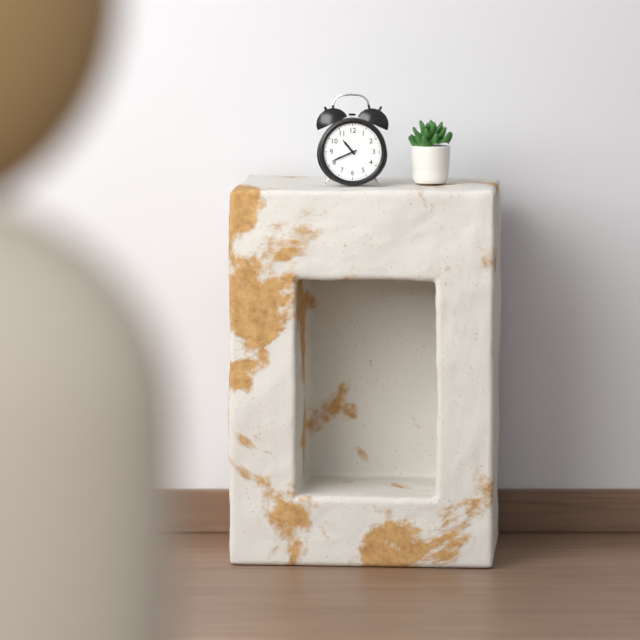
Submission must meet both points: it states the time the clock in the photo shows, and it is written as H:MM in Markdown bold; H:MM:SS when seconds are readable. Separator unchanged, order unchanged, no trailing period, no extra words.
**10:41**
